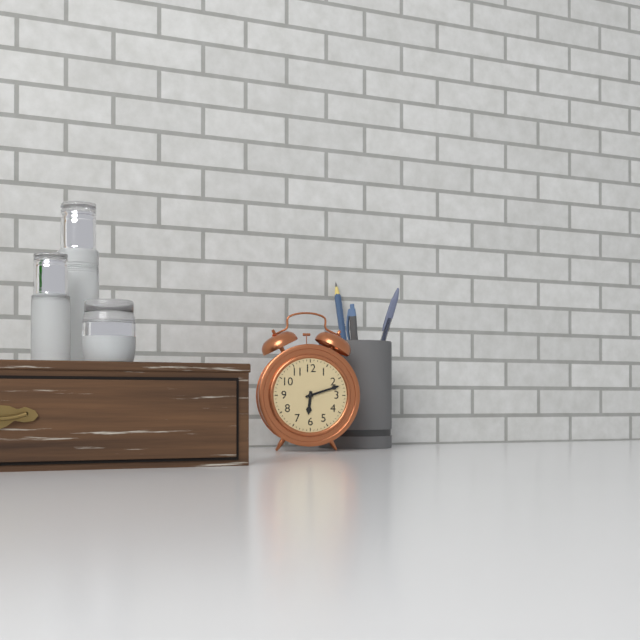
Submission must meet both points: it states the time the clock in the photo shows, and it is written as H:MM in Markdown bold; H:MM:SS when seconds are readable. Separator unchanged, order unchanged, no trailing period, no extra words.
**6:12**
